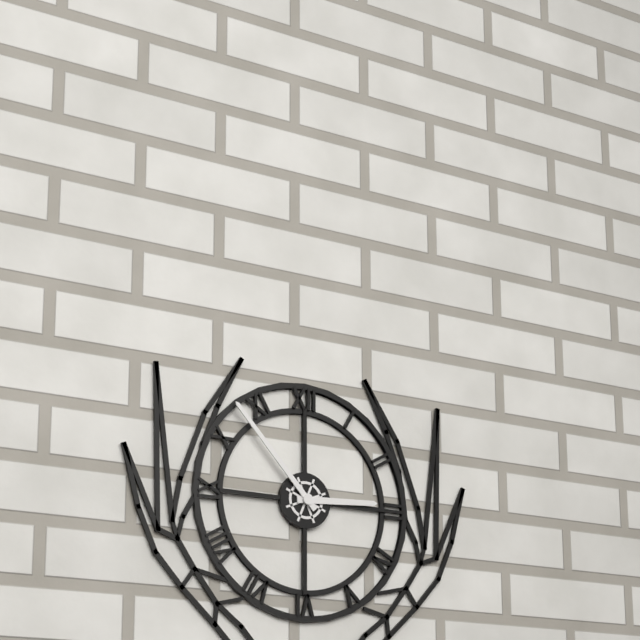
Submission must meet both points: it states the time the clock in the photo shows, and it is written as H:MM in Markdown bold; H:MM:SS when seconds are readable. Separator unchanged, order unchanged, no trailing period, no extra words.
**2:53**
